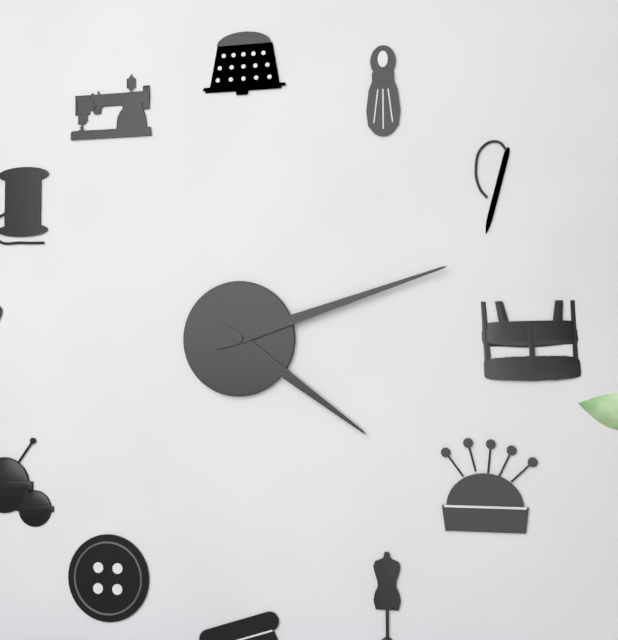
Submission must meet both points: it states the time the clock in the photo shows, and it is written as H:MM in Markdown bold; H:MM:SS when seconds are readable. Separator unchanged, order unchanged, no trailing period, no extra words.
**4:12**
